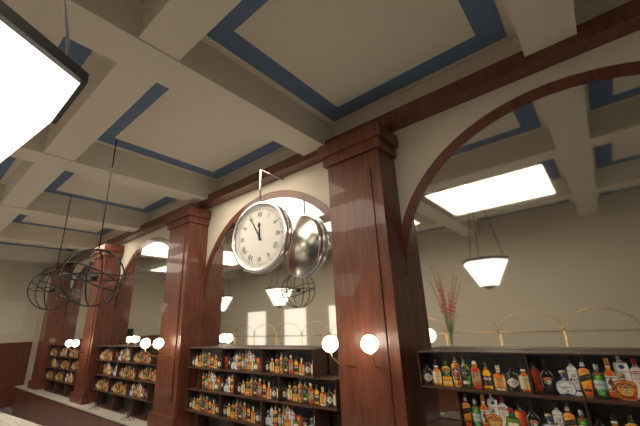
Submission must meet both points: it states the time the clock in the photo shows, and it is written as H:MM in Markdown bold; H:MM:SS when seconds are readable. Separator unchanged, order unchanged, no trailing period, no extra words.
**11:55**
